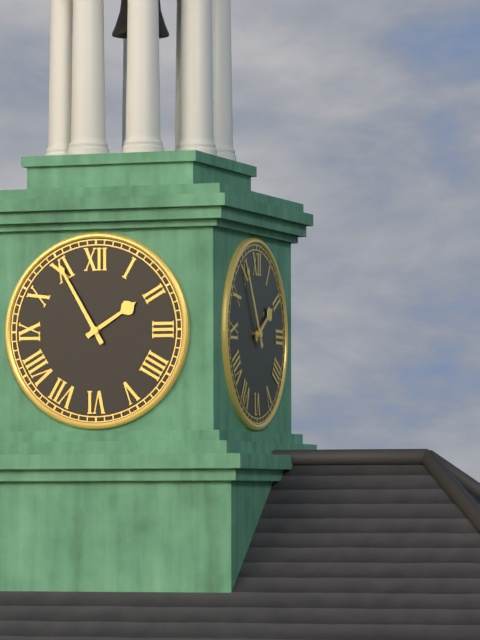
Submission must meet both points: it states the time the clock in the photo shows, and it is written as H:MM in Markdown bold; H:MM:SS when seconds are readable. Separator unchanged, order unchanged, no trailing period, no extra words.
**1:55**
